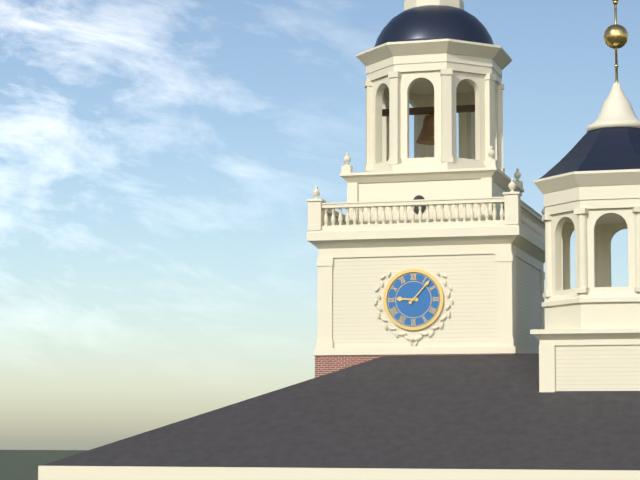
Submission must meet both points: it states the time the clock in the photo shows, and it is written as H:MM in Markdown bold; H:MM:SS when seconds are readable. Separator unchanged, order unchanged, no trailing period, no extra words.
**9:07**
